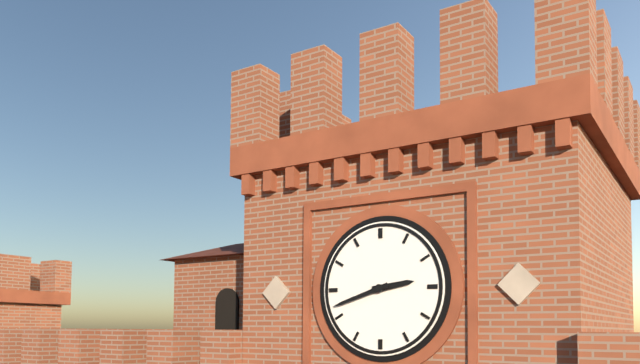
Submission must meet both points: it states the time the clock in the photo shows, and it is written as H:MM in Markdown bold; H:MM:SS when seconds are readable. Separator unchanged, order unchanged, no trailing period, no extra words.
**2:42**
